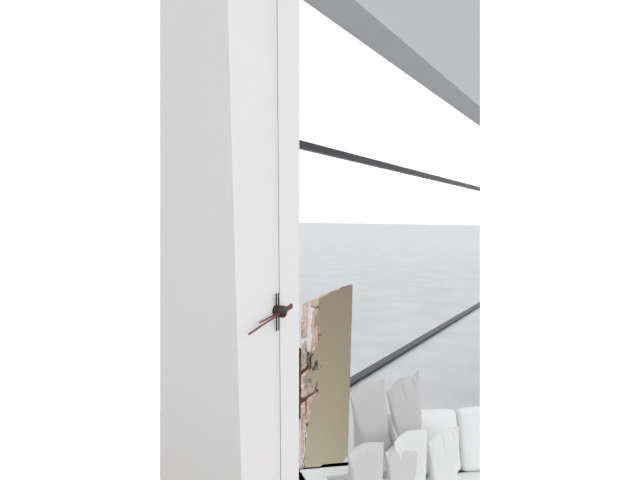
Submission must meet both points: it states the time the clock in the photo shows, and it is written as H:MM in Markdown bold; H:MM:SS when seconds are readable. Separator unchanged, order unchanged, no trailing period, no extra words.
**8:43**
